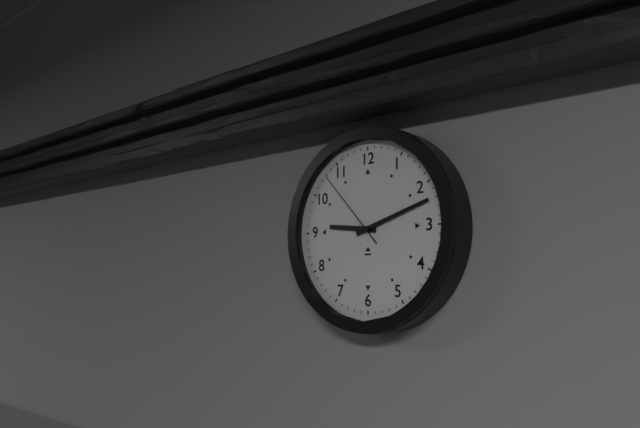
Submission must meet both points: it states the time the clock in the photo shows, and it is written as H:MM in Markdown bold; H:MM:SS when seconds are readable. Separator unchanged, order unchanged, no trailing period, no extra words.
**9:12:53**
